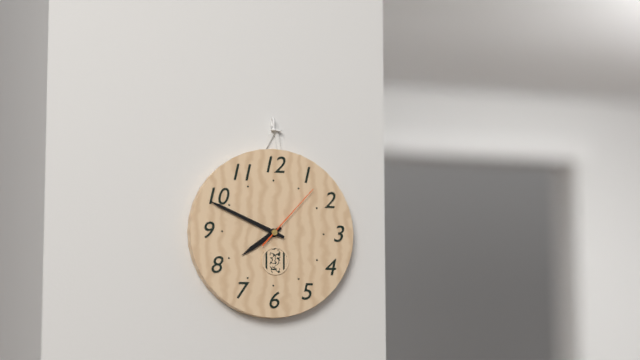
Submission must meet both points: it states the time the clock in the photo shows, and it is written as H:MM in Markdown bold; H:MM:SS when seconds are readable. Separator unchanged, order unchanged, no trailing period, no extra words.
**7:49:07**
